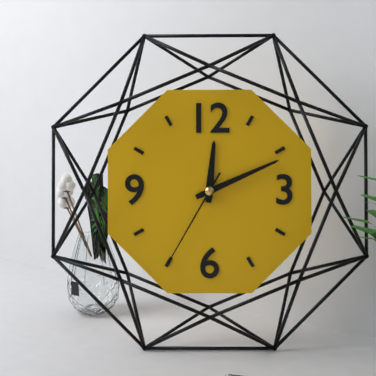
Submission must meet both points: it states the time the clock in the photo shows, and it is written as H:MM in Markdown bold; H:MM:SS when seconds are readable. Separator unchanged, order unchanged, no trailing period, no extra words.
**12:11:35**
